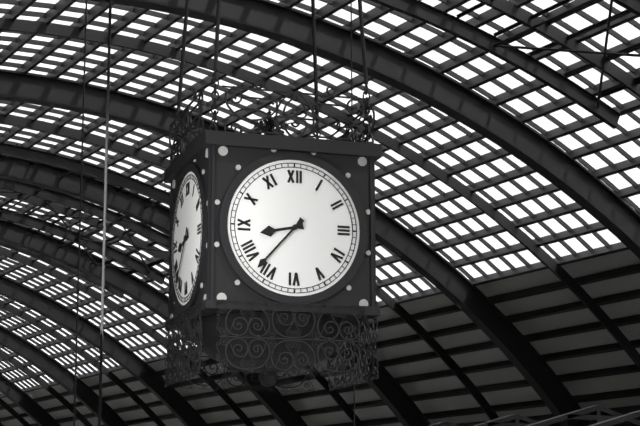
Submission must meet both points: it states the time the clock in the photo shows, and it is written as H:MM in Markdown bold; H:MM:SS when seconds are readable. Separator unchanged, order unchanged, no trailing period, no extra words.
**8:37**
